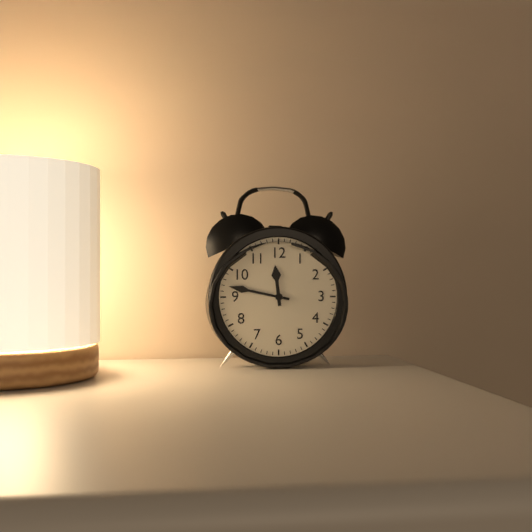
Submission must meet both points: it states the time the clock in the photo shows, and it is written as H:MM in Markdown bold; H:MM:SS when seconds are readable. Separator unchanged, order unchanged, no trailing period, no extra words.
**11:47**
